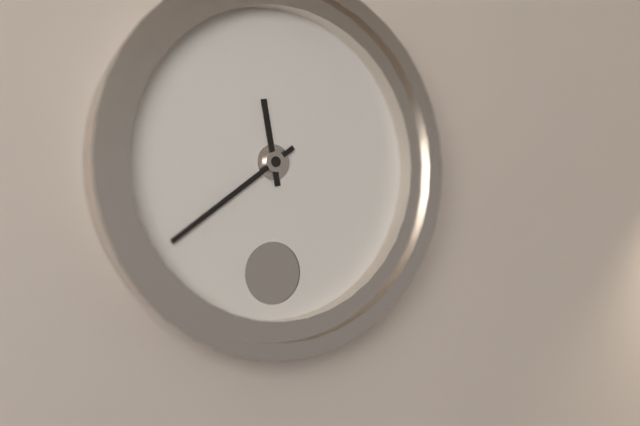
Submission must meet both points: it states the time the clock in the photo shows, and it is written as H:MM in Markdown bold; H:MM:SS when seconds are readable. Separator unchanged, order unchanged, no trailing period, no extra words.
**11:39**
